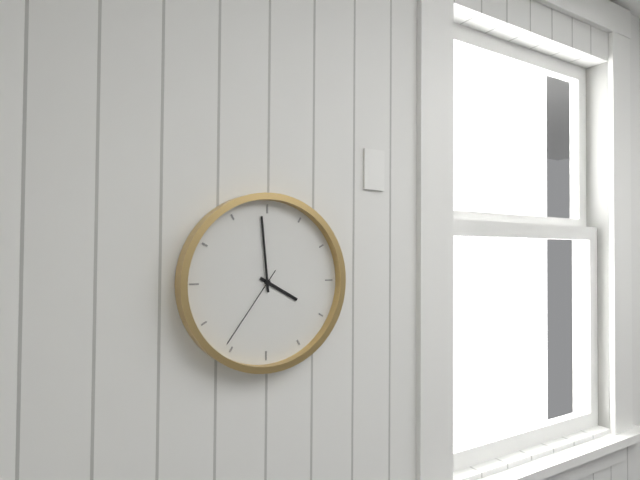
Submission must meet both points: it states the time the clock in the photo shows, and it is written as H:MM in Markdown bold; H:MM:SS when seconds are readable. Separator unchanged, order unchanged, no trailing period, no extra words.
**3:59:36**
